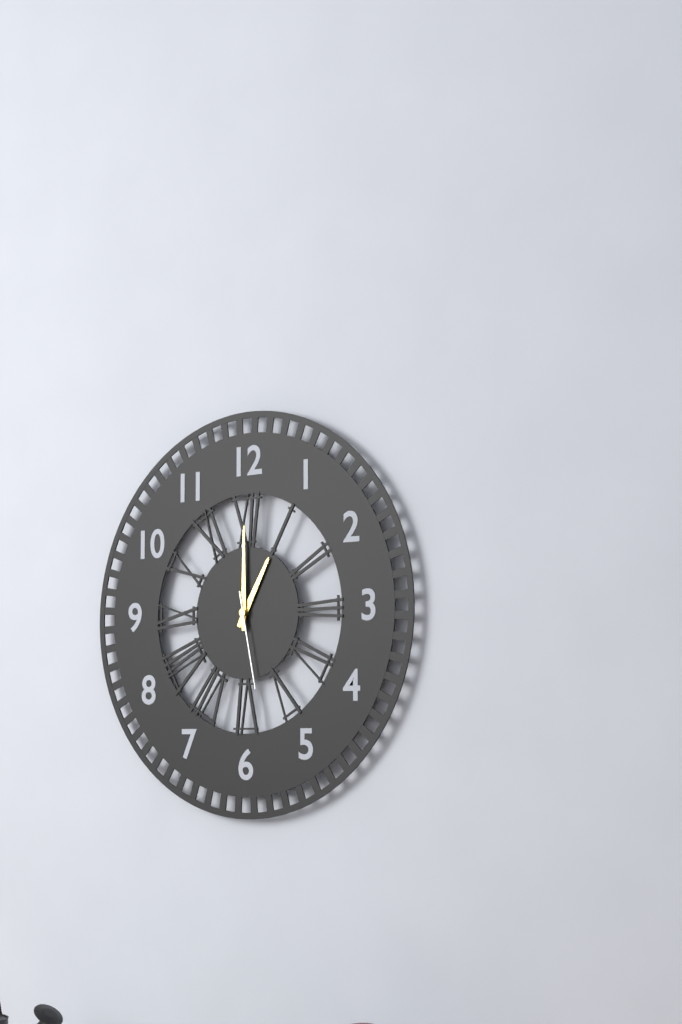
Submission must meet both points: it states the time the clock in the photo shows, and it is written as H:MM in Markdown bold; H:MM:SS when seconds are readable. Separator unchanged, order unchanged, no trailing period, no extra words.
**1:00:28**
